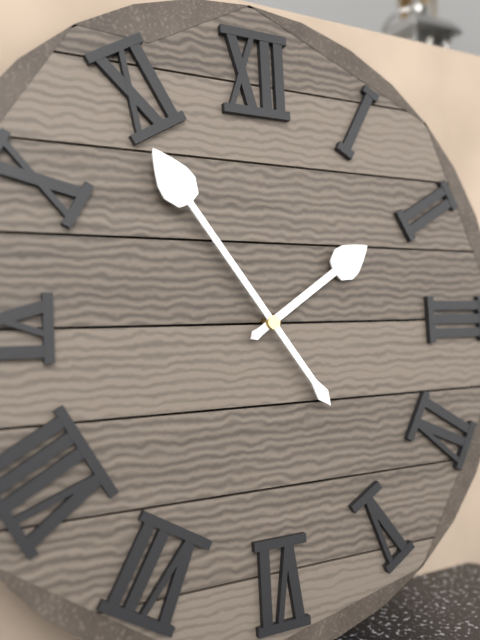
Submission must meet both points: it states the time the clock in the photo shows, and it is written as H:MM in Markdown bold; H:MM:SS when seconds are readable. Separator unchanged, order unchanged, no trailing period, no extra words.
**1:54**
